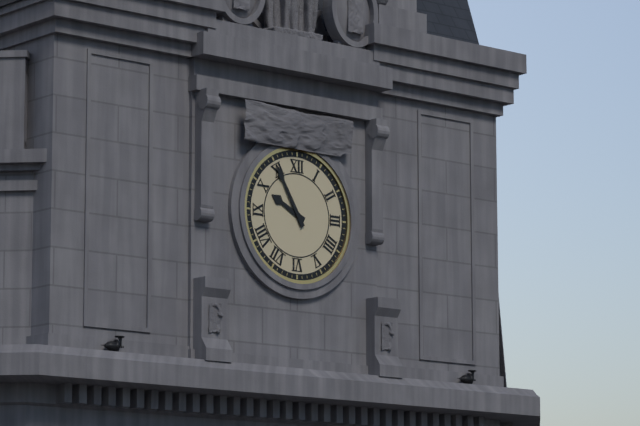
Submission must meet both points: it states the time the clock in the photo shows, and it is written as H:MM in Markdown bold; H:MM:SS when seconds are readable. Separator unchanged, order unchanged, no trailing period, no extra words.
**9:55**
